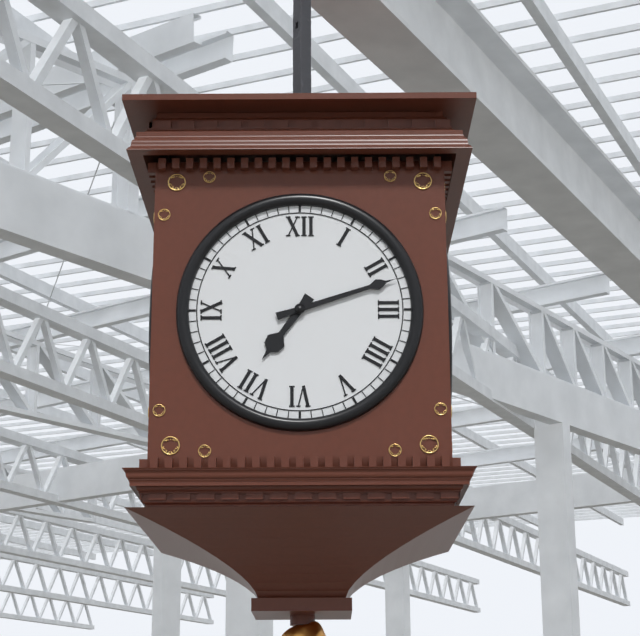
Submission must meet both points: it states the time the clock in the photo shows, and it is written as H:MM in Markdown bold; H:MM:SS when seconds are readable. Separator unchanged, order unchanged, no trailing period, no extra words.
**7:12**
